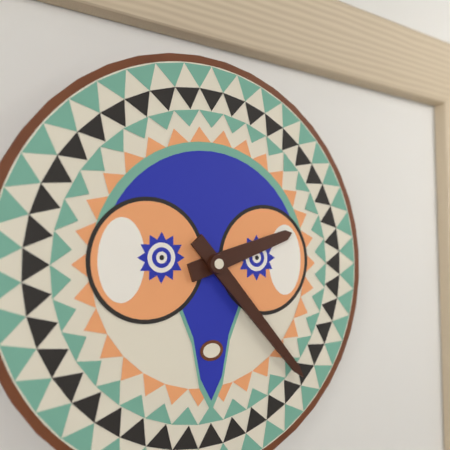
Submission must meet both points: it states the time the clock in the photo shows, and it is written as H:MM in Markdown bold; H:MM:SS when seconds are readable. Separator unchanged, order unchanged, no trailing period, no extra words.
**2:23**
